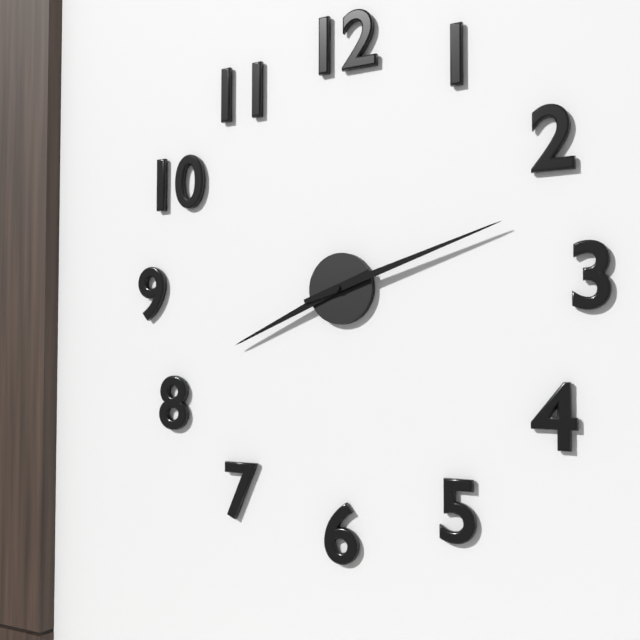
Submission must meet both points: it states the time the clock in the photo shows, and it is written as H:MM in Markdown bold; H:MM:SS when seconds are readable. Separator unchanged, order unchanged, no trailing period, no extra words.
**8:12**
